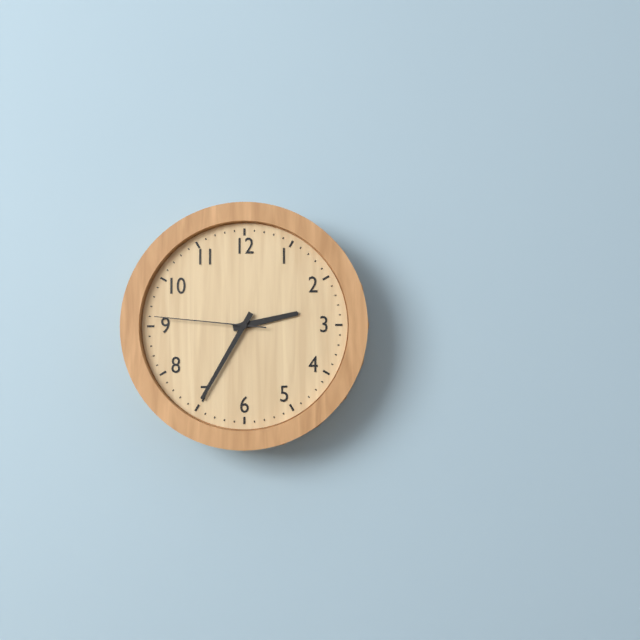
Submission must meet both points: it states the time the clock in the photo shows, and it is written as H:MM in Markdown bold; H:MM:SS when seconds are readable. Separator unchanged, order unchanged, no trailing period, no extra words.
**2:35:46**
